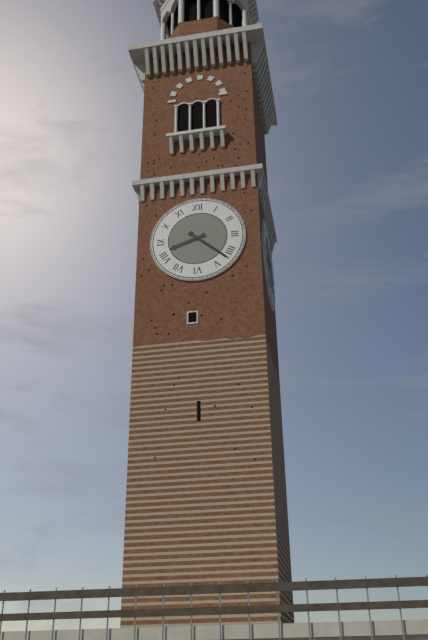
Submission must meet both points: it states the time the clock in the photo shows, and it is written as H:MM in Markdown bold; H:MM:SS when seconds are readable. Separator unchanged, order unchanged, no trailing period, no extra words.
**8:22**
